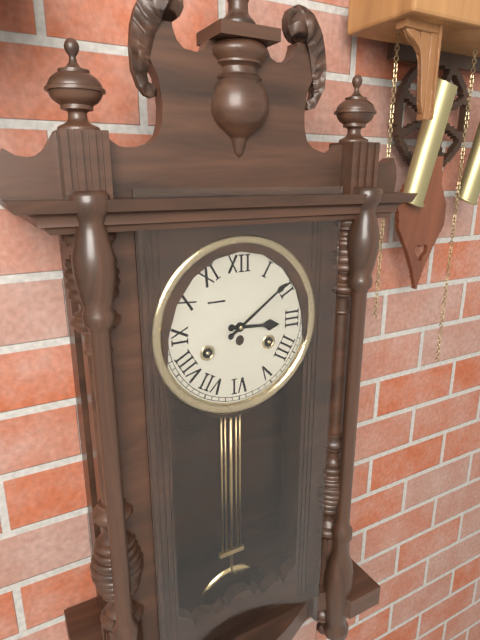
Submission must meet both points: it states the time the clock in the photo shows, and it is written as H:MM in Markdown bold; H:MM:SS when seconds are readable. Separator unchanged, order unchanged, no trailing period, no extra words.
**3:09**
